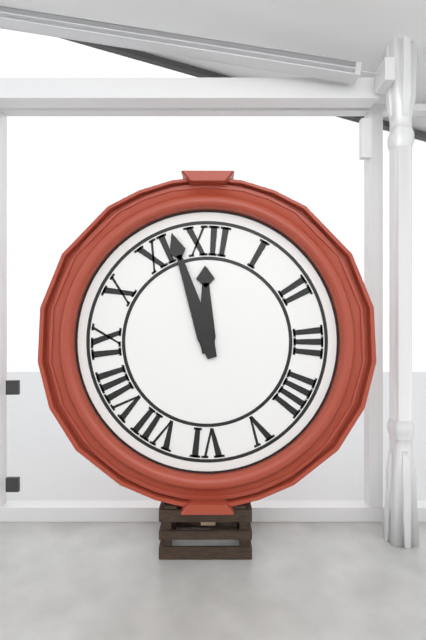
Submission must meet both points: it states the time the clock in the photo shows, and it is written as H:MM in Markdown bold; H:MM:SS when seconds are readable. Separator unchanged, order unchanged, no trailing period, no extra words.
**11:57**
